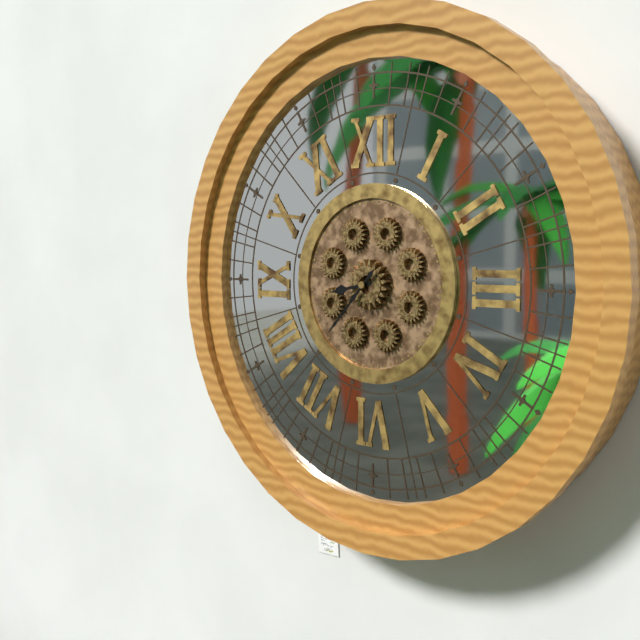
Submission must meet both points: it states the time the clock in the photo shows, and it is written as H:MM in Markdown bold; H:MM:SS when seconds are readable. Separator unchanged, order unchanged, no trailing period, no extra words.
**8:37**
